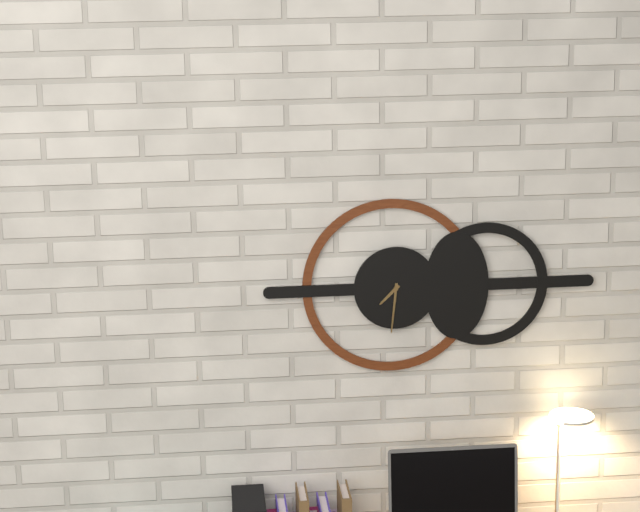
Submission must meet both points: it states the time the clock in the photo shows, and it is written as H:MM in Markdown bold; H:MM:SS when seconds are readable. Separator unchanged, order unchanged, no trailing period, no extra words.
**7:31**
